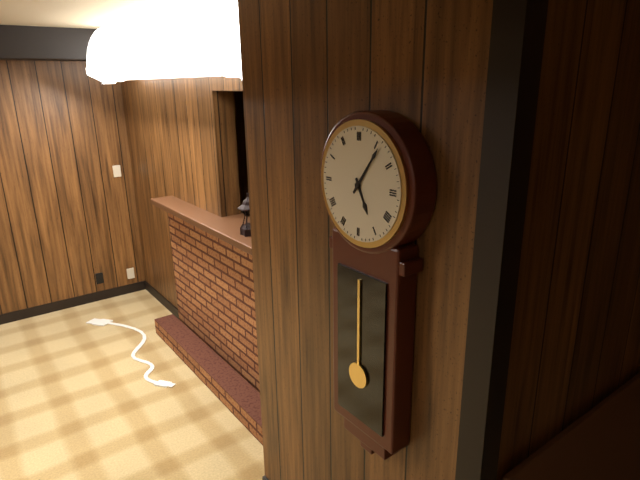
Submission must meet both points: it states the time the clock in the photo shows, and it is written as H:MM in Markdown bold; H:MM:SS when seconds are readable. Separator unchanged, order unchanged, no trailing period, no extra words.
**5:06**
